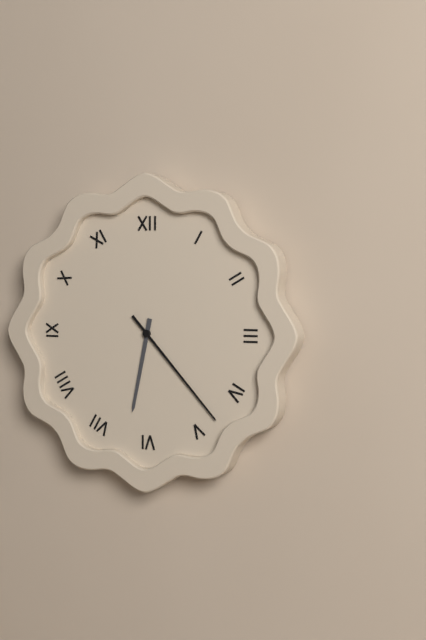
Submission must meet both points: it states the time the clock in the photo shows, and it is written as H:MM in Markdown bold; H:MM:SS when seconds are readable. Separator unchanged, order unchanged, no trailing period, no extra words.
**6:23**
